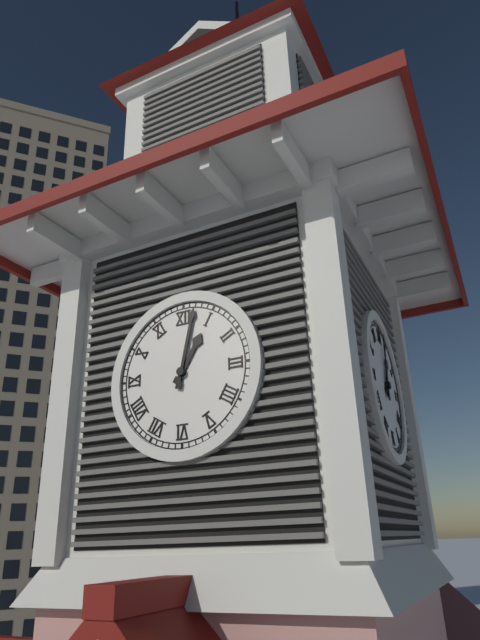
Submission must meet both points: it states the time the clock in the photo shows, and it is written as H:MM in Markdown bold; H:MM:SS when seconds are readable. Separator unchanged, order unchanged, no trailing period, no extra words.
**1:02**
